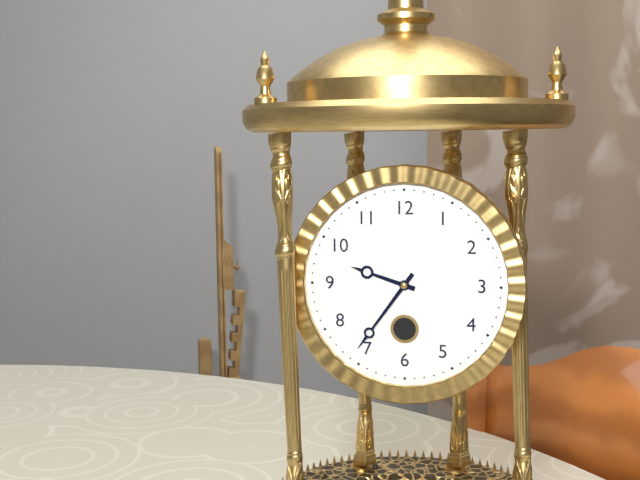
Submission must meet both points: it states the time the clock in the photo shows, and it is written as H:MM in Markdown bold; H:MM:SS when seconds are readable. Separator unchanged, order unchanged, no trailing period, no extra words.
**9:36**
